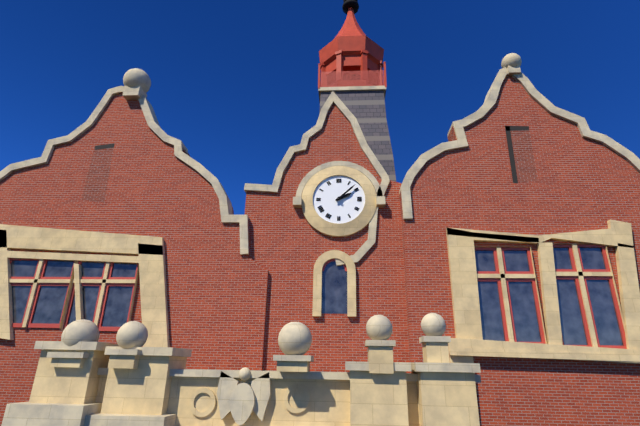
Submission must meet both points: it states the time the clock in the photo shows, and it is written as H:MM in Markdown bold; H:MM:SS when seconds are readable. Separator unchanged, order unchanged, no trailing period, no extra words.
**2:08**
